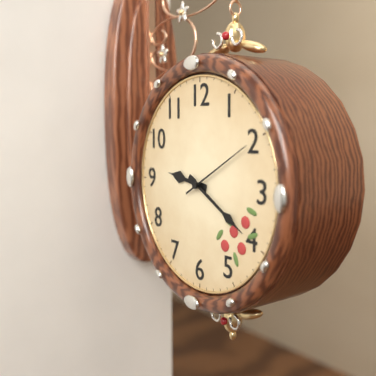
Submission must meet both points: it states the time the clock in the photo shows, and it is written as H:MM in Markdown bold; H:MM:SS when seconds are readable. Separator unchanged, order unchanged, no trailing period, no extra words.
**9:20:10**
